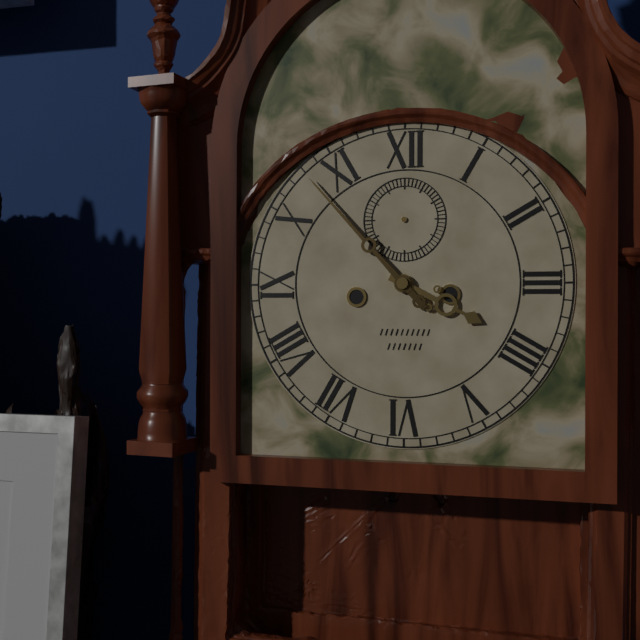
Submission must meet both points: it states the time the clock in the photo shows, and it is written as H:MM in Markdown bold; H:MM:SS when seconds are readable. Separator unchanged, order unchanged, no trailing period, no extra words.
**3:53**
